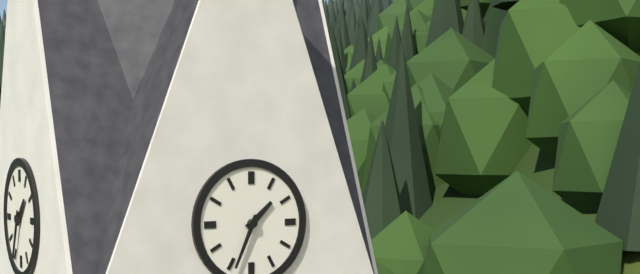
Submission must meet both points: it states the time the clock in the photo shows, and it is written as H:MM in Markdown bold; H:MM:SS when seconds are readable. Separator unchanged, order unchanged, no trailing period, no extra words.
**1:34**
